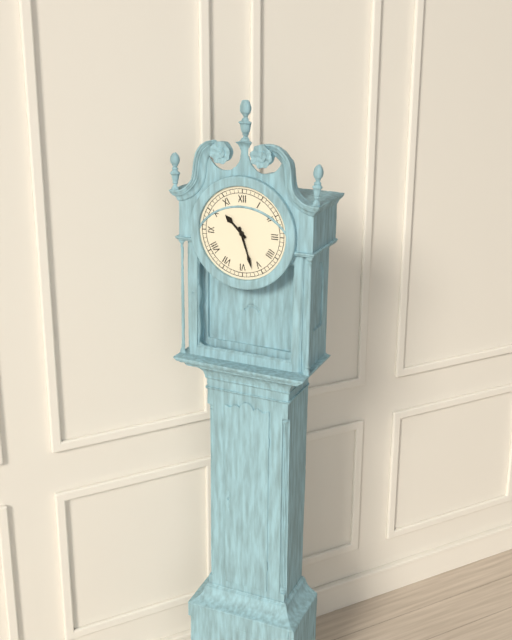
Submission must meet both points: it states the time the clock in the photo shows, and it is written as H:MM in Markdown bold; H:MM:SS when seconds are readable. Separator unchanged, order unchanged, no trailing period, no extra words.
**10:27**
